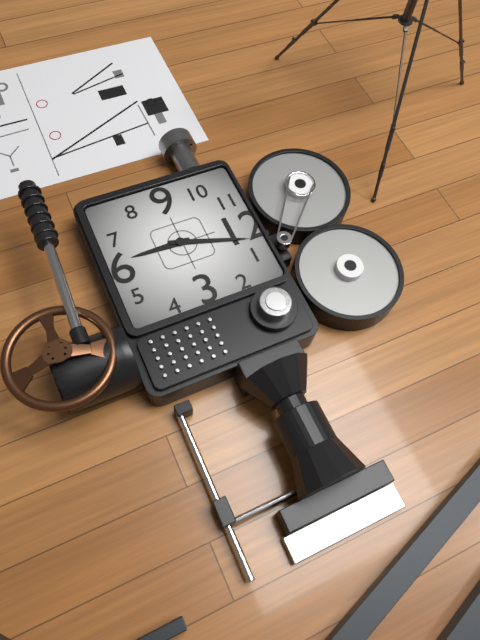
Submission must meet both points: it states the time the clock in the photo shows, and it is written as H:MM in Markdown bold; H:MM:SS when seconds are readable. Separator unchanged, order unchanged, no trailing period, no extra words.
**6:03**
